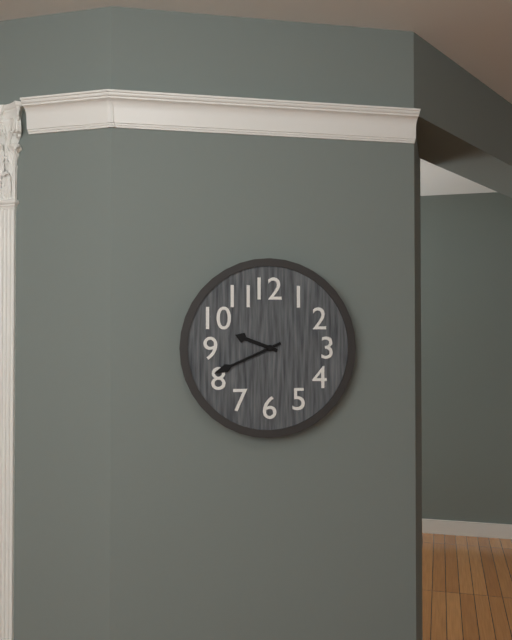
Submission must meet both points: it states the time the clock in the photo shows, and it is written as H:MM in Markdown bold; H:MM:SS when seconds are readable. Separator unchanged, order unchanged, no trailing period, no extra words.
**9:41**
